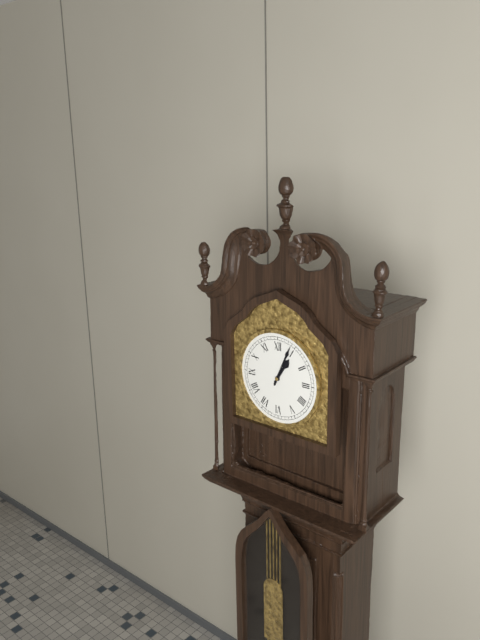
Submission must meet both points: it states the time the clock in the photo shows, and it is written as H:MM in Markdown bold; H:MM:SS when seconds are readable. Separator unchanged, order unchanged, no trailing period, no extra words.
**1:04**
